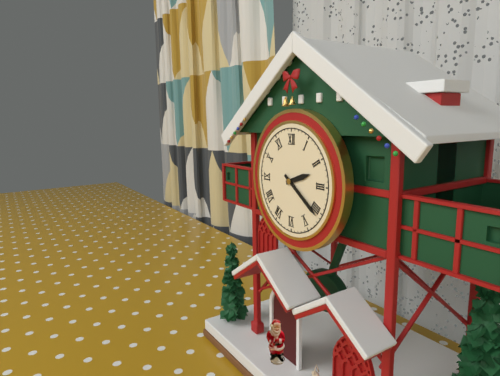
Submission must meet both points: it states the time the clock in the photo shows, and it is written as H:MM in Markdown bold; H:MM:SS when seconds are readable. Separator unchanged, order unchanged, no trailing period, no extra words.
**2:21**
